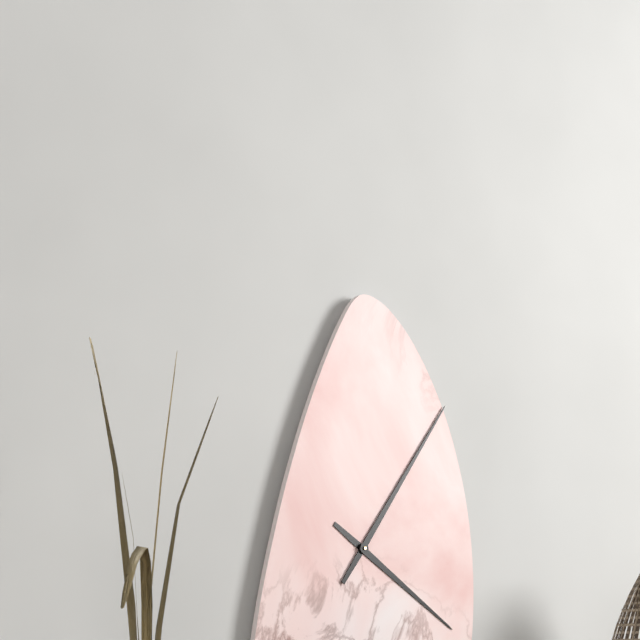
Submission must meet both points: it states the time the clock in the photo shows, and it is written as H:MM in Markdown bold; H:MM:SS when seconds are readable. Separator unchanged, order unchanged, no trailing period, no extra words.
**4:06**
